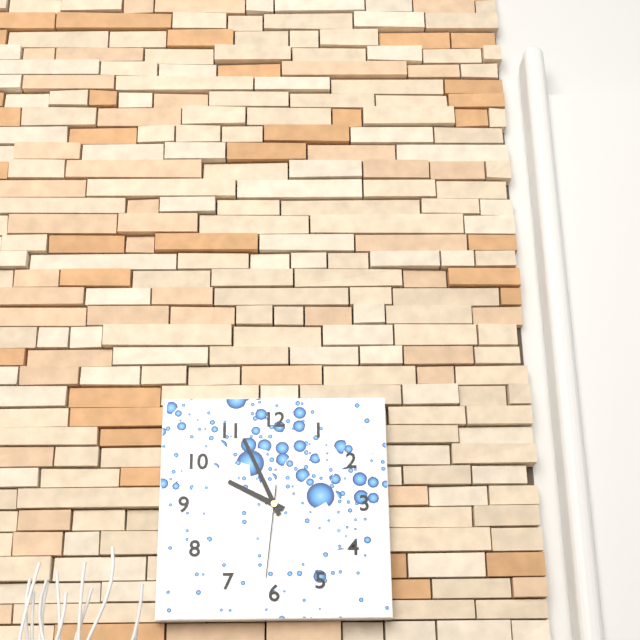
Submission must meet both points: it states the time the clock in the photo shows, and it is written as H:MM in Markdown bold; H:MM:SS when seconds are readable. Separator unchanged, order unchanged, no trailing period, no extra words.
**9:56:31**
